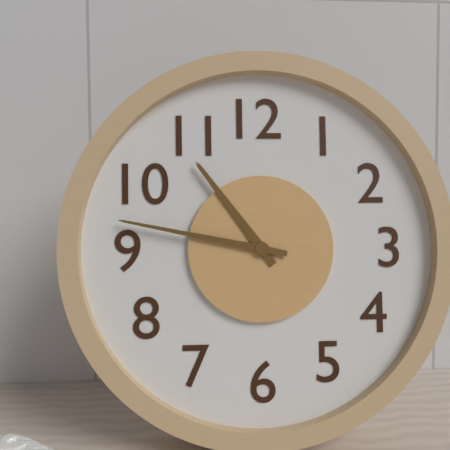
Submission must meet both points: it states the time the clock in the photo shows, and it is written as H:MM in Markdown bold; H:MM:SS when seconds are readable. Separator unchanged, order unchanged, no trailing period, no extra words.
**10:47**
